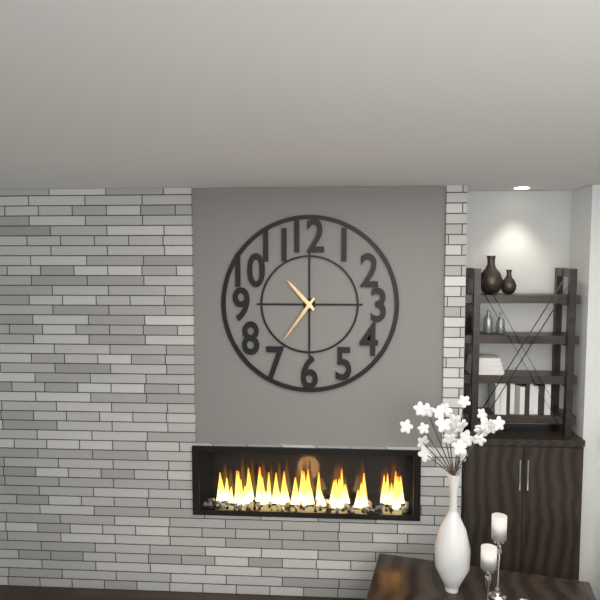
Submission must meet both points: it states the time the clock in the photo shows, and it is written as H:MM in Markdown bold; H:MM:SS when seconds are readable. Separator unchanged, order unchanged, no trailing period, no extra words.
**10:36**
